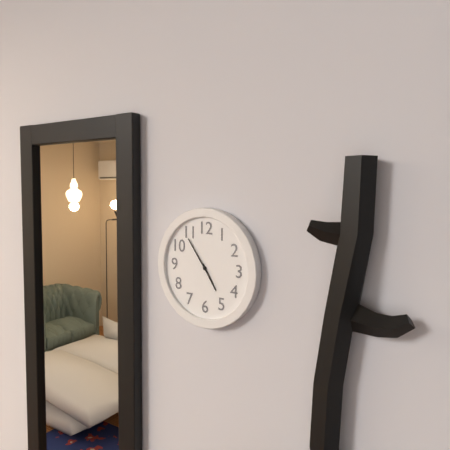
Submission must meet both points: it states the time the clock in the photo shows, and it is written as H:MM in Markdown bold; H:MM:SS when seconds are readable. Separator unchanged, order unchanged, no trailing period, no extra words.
**4:54**
